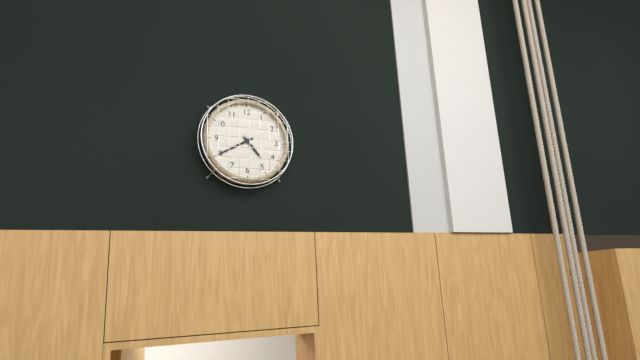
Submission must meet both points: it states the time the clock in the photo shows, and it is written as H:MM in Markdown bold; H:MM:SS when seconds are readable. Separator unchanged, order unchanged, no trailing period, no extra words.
**4:40**
